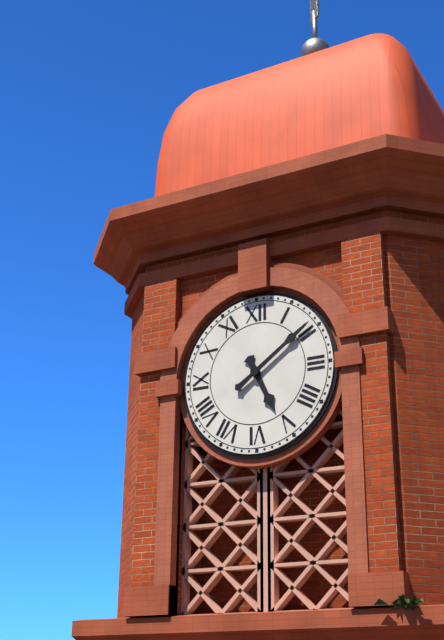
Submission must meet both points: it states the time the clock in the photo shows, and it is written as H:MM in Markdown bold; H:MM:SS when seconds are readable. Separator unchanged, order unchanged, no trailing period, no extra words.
**5:09**
